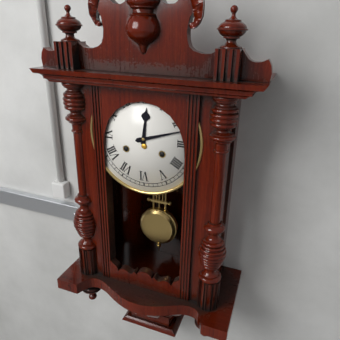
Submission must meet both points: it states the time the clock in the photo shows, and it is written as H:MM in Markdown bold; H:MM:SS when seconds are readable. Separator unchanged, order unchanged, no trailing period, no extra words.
**12:12**
